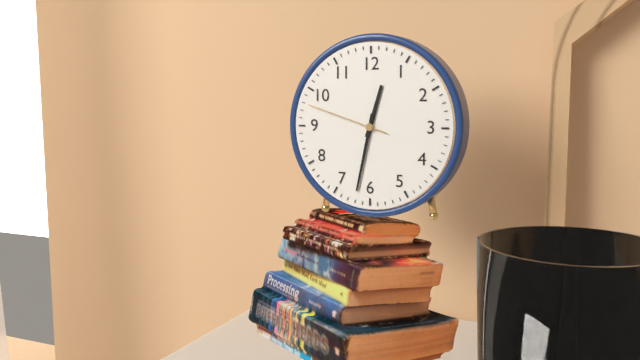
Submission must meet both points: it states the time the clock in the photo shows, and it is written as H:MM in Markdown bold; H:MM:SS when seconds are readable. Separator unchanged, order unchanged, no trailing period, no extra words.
**12:32:48**
